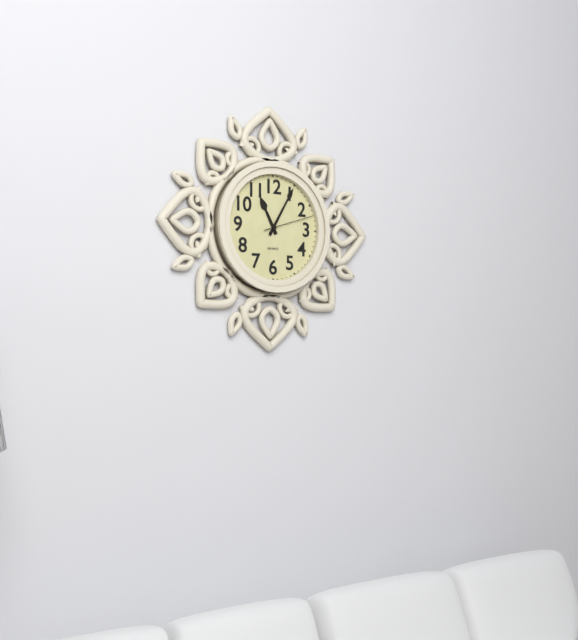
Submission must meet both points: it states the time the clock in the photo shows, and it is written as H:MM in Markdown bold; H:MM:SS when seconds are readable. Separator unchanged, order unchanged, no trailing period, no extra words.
**11:05:12**
